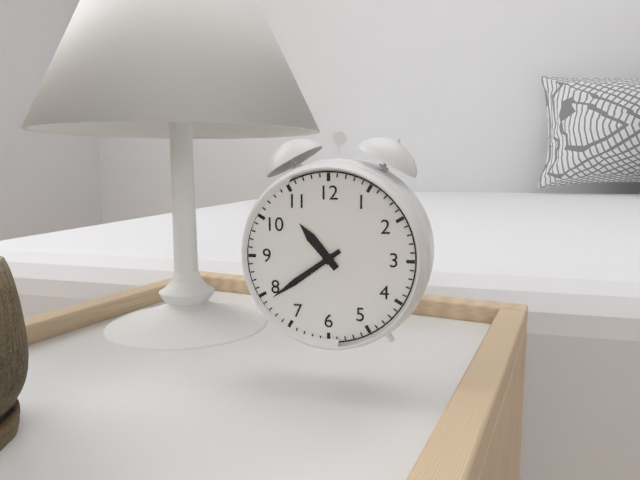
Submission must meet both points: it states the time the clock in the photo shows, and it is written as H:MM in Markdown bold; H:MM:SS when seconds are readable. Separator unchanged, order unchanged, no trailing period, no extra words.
**10:39**
